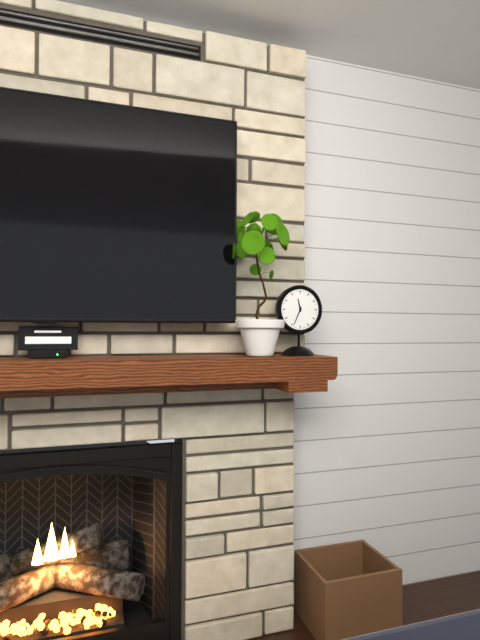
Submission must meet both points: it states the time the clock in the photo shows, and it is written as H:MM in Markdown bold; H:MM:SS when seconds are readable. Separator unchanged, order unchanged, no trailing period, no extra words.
**11:34**
